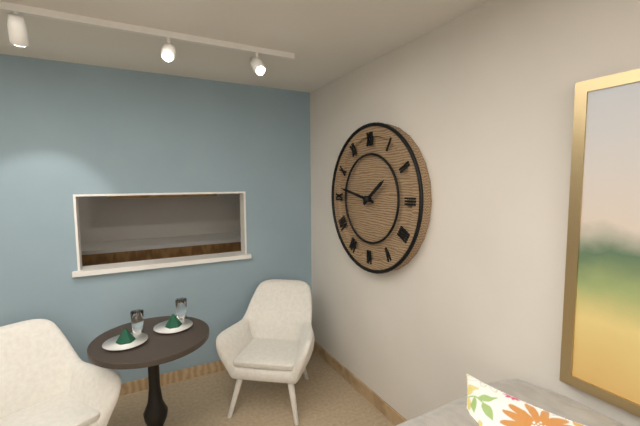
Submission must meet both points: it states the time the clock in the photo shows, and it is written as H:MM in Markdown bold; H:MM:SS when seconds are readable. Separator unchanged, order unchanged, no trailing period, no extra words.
**1:47**
